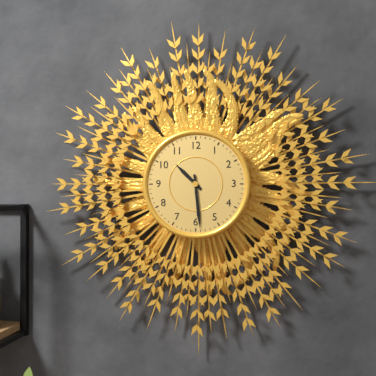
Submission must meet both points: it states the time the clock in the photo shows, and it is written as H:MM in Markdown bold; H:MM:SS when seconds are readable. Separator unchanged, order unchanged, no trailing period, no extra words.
**10:29**
